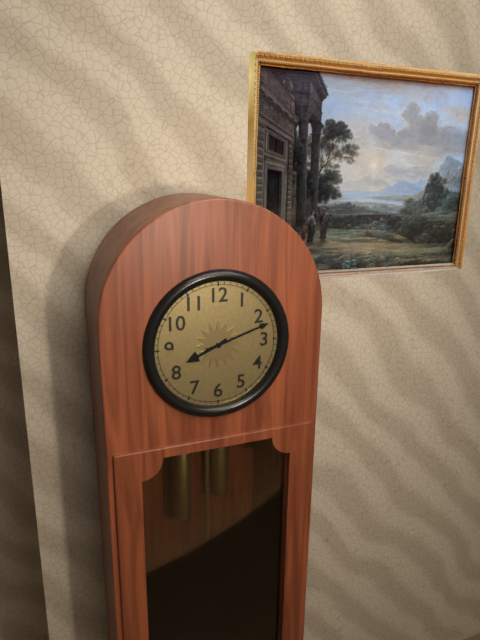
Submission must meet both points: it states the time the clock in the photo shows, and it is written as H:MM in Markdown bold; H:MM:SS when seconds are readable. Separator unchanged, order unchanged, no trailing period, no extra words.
**8:12**
